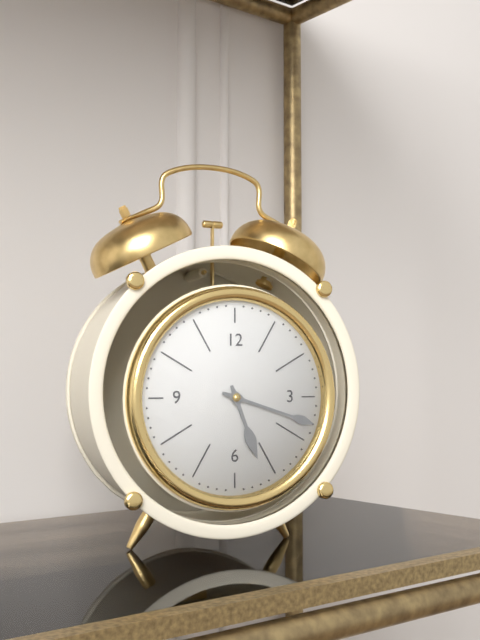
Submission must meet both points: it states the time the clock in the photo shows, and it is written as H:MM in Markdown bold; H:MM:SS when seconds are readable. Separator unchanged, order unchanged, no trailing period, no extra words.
**5:18**
